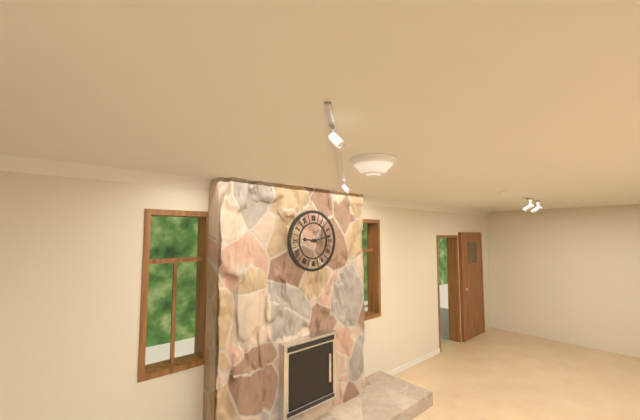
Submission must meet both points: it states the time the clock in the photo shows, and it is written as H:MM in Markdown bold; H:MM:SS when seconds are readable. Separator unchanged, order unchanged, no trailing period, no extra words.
**9:13**
